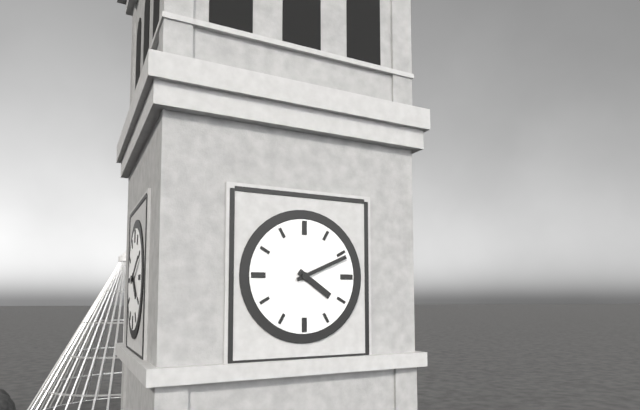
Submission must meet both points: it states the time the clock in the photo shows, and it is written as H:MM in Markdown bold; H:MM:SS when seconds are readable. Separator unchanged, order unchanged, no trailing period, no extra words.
**4:11**
